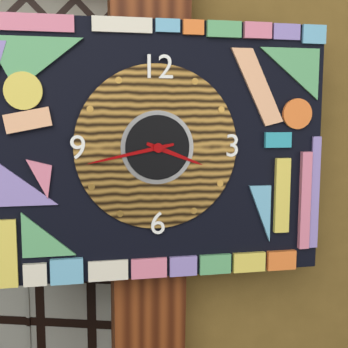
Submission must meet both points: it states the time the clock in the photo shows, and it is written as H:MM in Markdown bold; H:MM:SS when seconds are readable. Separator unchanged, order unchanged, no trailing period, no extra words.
**3:43**
